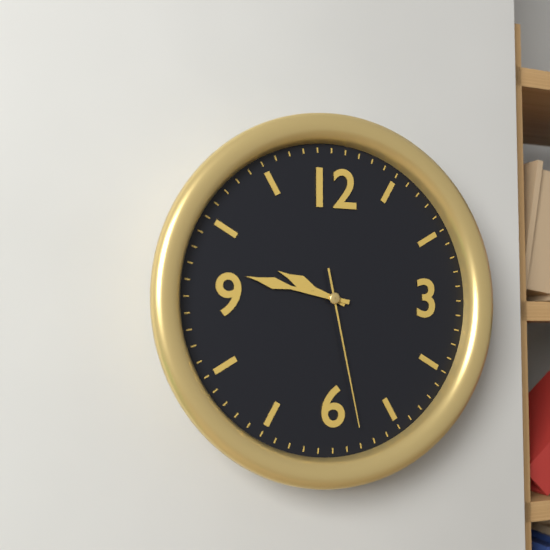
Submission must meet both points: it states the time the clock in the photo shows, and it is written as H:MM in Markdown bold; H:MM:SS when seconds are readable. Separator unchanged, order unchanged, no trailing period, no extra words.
**9:47:28**
